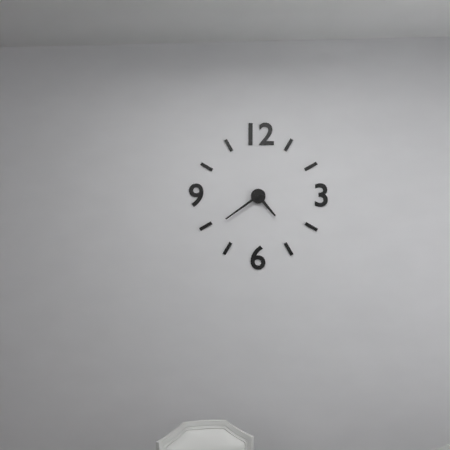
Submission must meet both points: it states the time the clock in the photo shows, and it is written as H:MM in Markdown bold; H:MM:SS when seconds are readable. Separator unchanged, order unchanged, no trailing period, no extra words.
**4:39**
